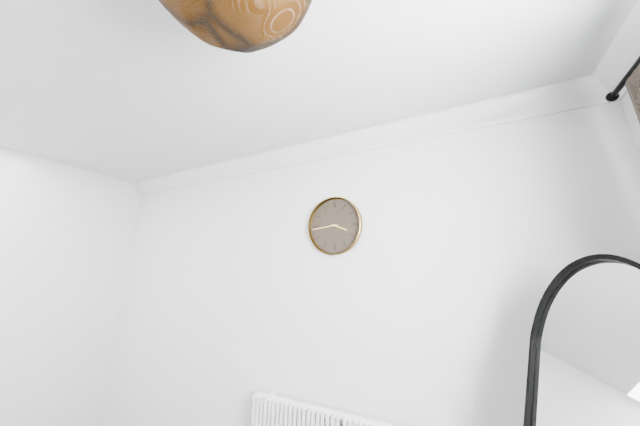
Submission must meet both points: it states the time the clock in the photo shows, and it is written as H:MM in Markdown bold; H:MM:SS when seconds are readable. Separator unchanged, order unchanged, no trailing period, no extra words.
**3:44**
